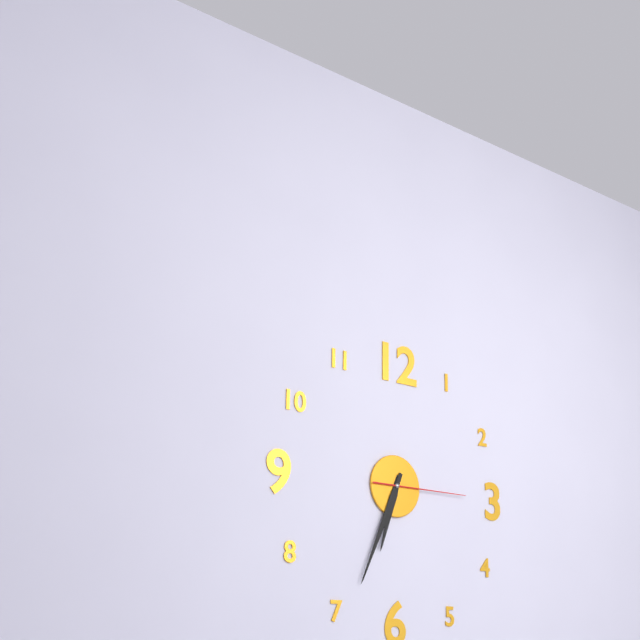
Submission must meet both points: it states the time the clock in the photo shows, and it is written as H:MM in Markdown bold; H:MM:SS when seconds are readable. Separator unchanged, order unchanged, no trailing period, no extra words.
**6:34:15**
